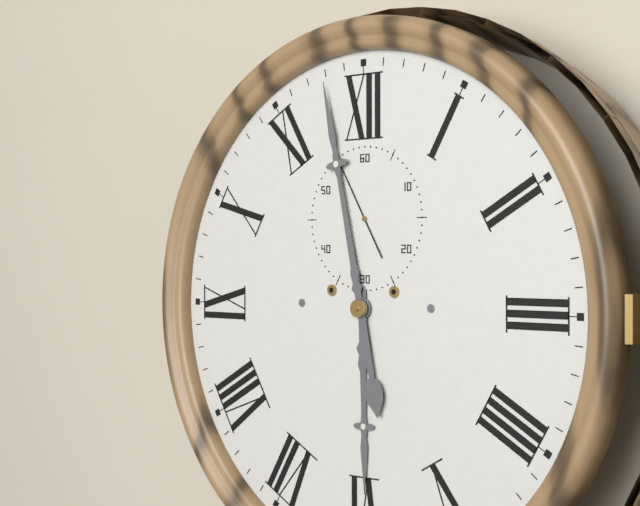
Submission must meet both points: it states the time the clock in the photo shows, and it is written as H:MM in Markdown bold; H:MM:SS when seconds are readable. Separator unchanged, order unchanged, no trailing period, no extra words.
**5:58:55**
